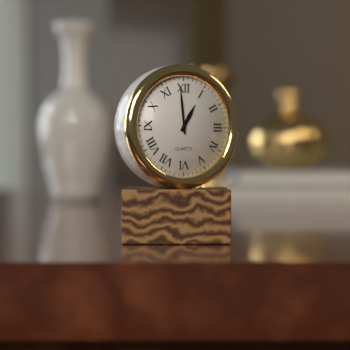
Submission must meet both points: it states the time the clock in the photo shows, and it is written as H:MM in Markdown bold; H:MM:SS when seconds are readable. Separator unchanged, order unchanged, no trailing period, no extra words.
**12:59**
